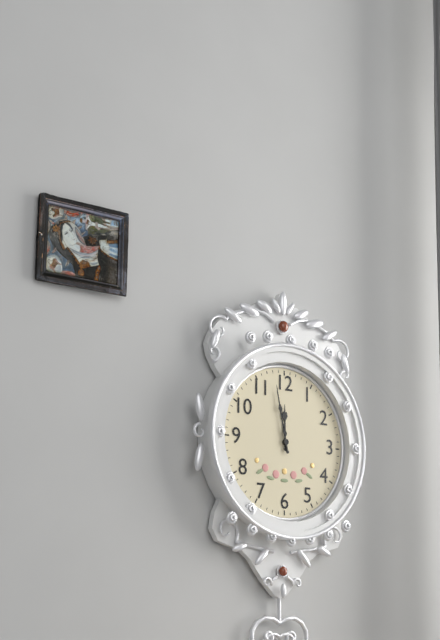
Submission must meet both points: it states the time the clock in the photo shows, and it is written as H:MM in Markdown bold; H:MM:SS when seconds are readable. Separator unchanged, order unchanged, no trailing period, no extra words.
**11:58**
